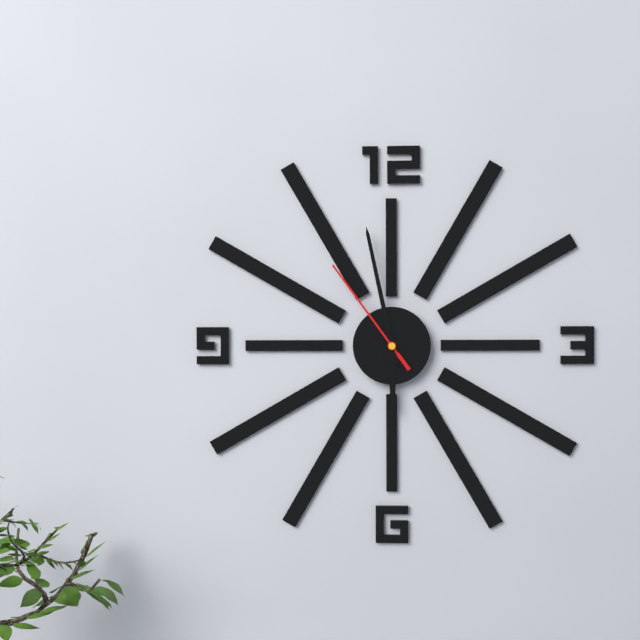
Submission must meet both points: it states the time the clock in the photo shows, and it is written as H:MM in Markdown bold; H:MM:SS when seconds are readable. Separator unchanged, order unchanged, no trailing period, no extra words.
**5:58:54**
